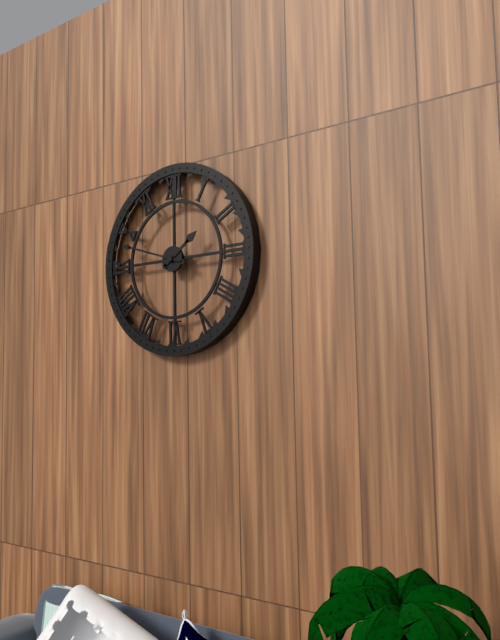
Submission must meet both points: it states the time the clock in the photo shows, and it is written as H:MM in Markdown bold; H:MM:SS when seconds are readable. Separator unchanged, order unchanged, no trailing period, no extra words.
**1:48**
